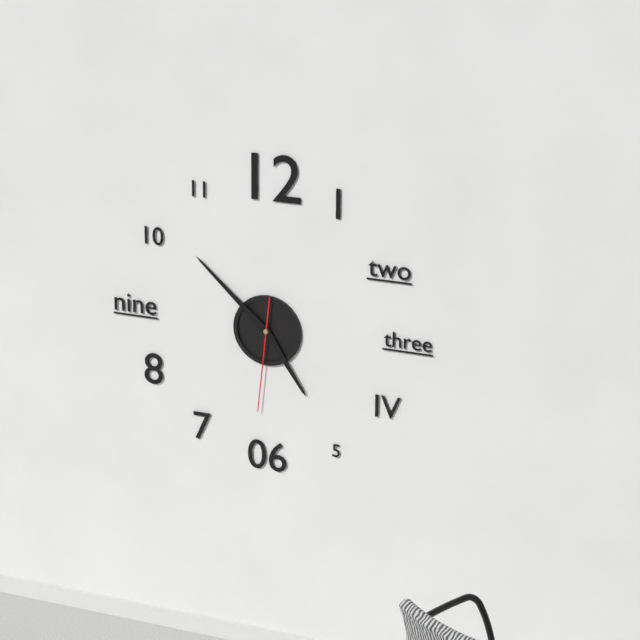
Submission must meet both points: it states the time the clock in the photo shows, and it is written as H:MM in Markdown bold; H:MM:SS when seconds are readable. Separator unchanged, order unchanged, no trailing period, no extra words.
**4:52:31**
